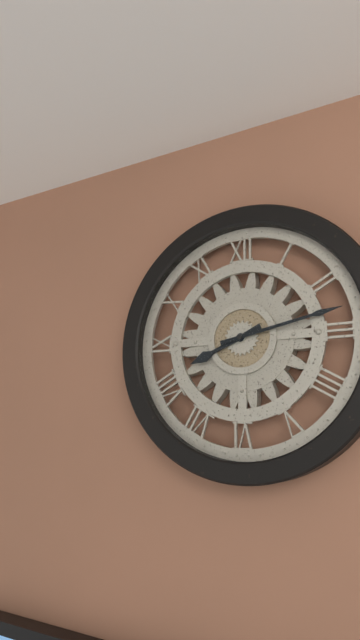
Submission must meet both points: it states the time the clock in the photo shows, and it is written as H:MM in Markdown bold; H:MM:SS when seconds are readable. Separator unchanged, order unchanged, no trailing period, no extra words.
**8:13**
